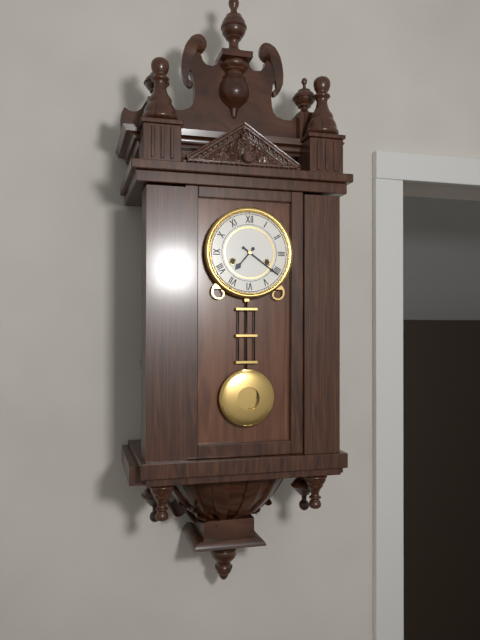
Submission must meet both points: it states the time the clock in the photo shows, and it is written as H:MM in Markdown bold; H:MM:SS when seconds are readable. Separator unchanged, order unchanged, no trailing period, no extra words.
**7:21**
